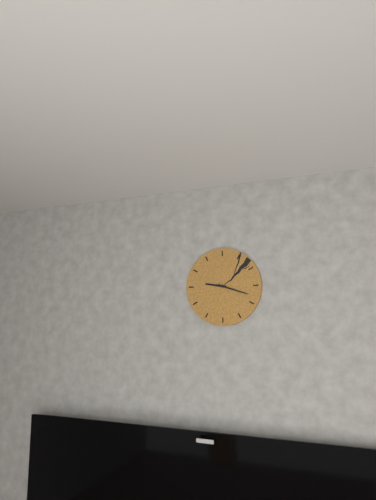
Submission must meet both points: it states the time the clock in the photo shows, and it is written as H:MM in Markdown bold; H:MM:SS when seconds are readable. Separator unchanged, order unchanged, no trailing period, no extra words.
**9:18**
